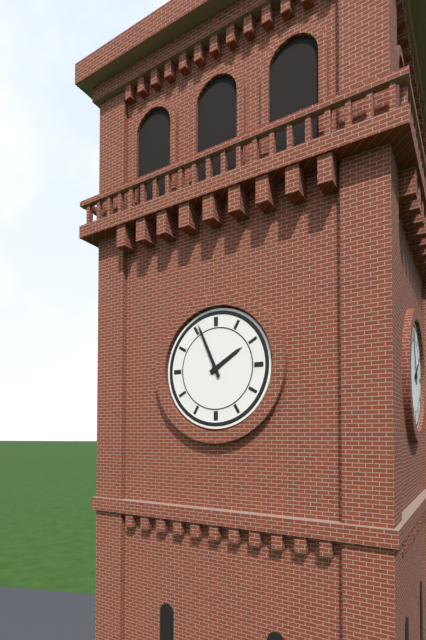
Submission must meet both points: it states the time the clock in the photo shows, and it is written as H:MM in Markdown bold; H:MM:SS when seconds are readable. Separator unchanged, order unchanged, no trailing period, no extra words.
**1:56**
